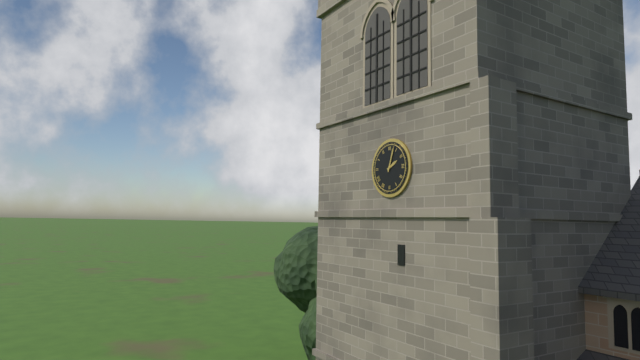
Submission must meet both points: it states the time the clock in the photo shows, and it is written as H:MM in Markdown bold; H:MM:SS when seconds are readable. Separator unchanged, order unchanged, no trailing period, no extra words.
**2:03**
